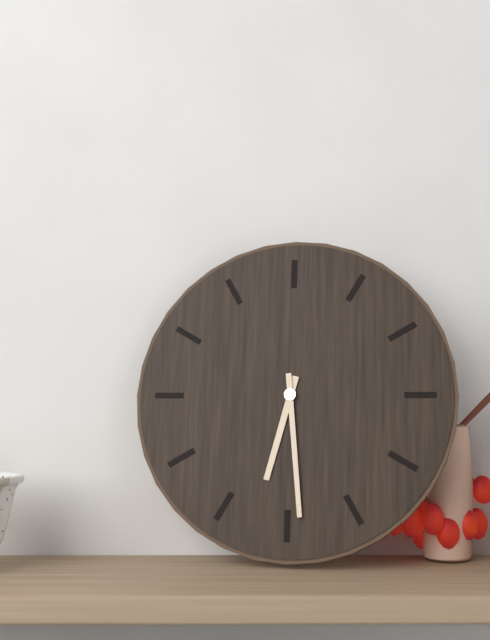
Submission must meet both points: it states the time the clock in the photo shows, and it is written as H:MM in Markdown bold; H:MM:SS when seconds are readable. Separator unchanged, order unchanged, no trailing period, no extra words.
**6:29**
